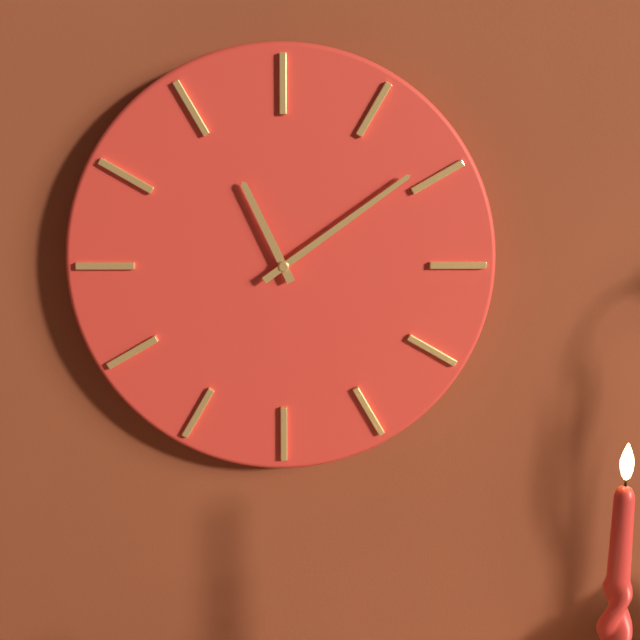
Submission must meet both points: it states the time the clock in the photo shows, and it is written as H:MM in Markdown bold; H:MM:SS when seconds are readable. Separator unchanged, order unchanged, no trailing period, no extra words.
**11:09**
